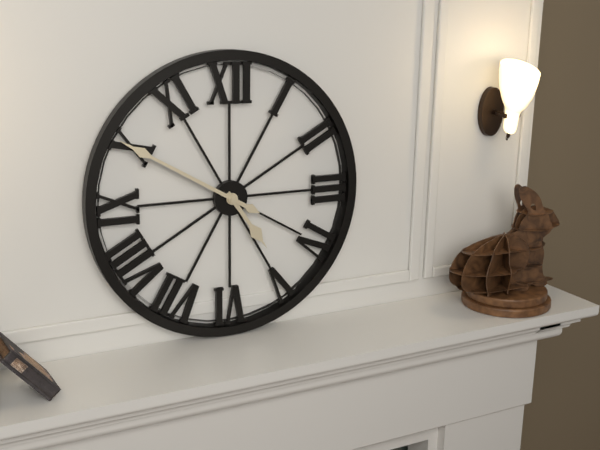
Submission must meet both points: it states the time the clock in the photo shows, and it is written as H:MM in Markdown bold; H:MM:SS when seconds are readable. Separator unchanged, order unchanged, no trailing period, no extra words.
**4:50**
